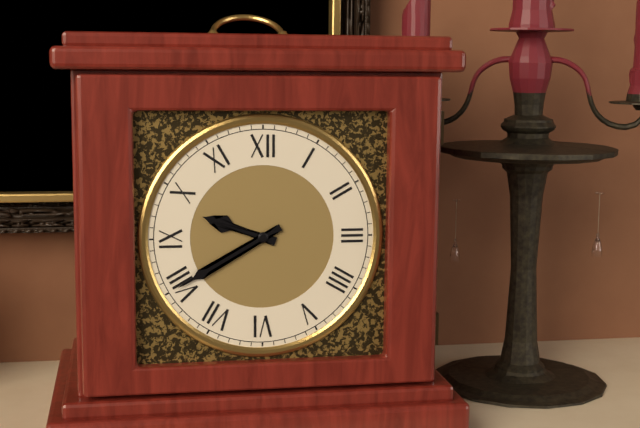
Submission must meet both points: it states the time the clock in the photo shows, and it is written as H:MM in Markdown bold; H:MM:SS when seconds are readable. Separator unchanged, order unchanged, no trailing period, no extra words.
**9:40**
